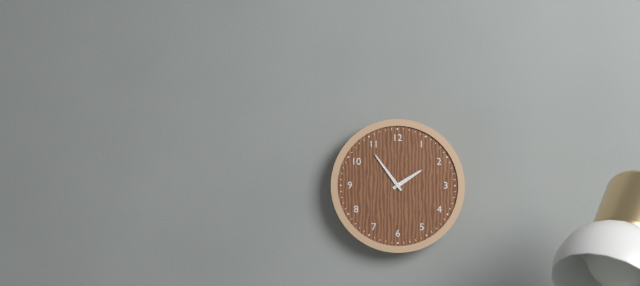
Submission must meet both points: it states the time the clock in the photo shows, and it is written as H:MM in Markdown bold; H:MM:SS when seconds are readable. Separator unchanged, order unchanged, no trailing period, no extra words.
**1:54**
